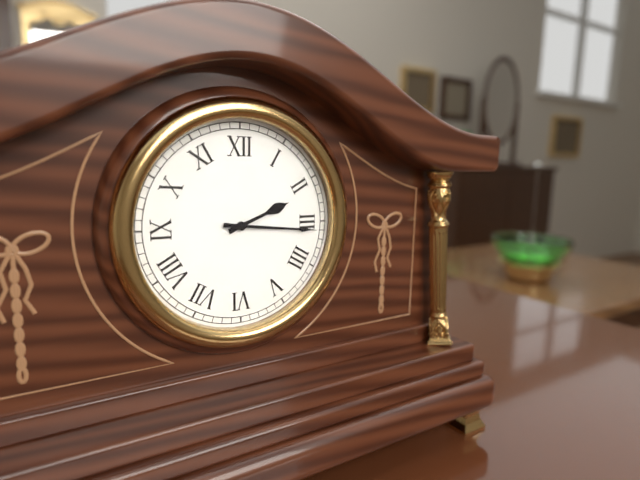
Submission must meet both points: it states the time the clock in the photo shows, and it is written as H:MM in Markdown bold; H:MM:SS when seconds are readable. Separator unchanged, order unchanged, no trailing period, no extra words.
**2:16**
